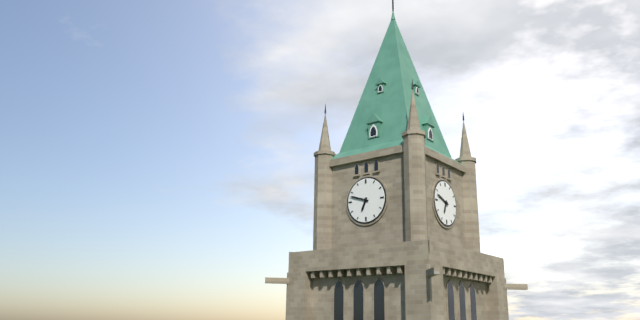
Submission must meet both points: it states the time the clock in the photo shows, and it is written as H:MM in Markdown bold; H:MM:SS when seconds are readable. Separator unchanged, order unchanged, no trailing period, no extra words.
**6:48**
